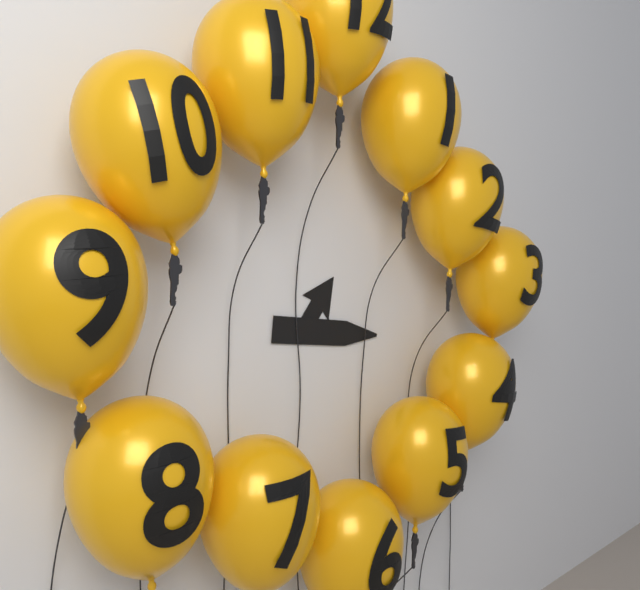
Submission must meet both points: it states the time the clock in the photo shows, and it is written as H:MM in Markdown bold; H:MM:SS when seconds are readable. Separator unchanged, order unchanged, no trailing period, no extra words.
**1:16**
